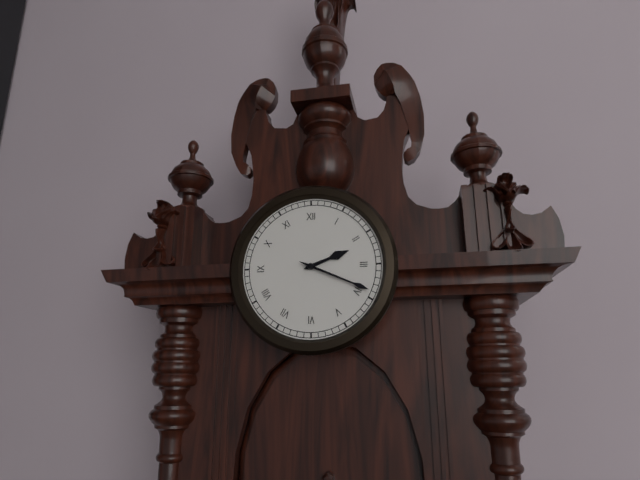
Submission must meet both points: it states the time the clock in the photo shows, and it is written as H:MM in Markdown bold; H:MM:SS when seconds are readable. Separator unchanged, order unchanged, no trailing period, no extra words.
**2:19**
